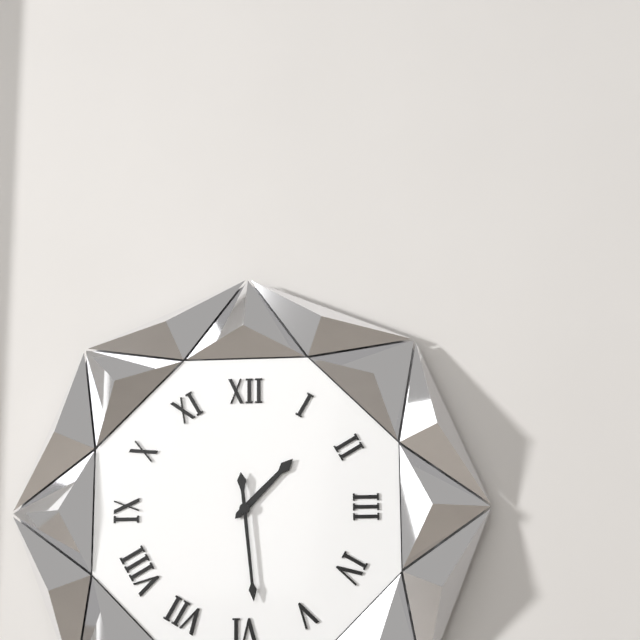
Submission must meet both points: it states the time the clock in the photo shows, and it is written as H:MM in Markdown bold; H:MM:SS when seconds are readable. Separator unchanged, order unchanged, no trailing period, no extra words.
**1:29**
